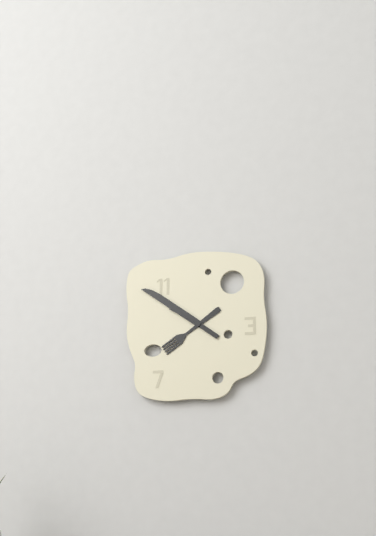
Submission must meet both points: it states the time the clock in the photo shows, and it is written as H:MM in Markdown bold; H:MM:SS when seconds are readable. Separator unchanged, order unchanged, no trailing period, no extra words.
**7:51**
